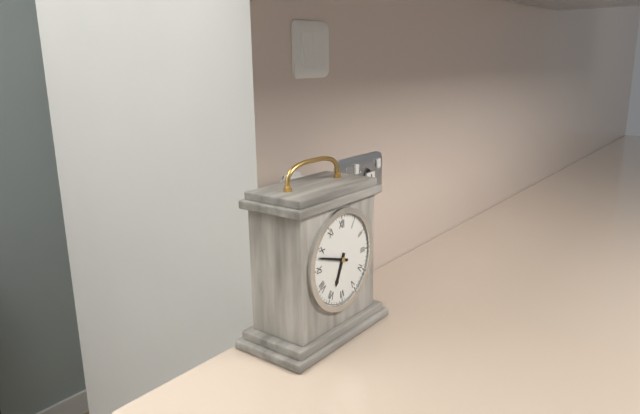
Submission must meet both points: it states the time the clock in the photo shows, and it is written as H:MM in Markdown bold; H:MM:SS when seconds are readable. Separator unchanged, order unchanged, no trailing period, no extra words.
**6:48**
